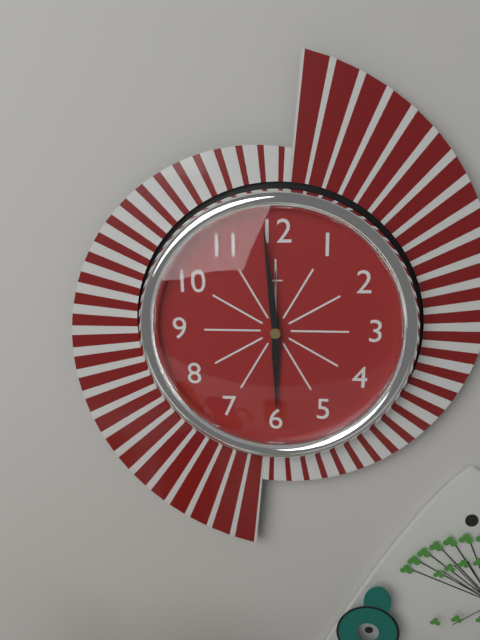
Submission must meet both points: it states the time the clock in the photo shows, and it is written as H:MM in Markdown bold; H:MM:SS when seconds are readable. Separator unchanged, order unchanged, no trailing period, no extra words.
**5:59**
